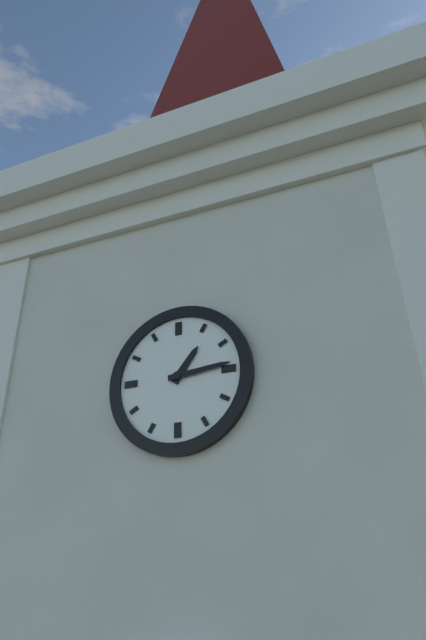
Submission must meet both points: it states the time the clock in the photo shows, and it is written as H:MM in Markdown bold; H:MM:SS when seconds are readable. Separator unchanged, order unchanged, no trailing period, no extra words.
**1:14**
